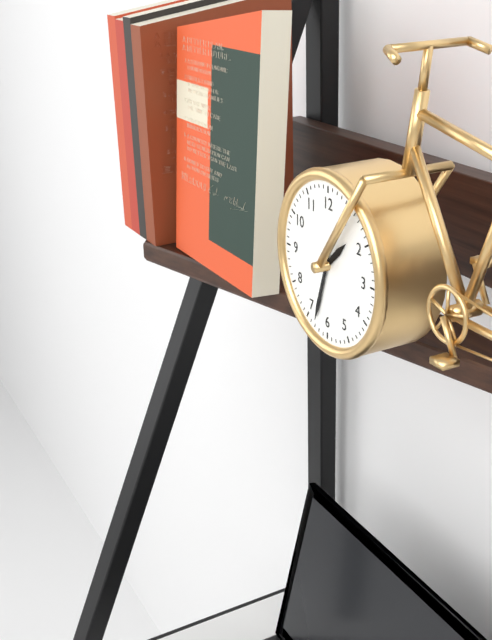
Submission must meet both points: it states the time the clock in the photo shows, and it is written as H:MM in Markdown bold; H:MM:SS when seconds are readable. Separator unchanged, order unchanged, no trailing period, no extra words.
**1:33**
